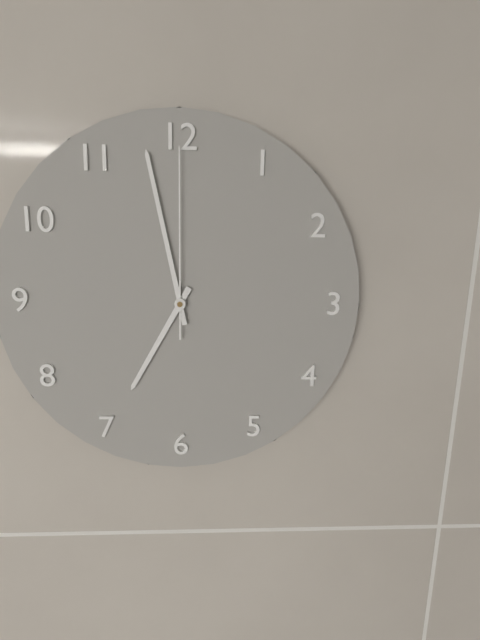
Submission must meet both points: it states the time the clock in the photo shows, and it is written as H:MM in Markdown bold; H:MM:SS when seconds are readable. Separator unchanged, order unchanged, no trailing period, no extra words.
**6:58:00**
